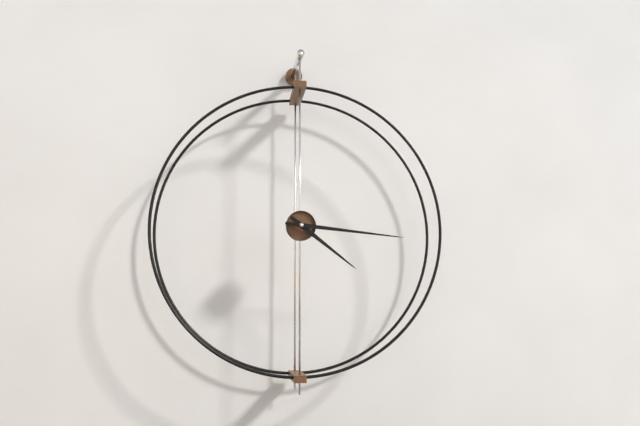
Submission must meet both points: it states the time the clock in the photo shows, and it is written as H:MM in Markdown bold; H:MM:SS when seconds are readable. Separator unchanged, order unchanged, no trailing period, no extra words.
**4:16**
